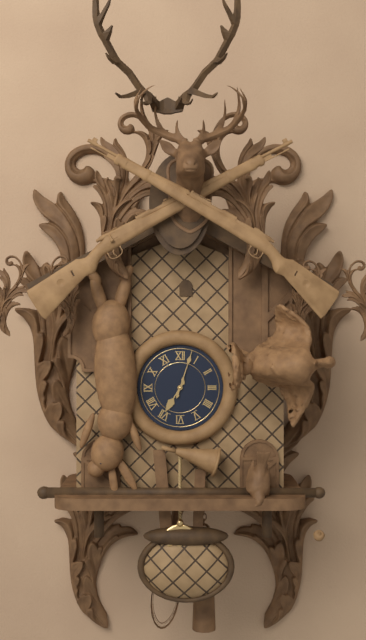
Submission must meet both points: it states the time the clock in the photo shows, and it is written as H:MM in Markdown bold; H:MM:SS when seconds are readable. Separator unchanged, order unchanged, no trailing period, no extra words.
**7:03**
